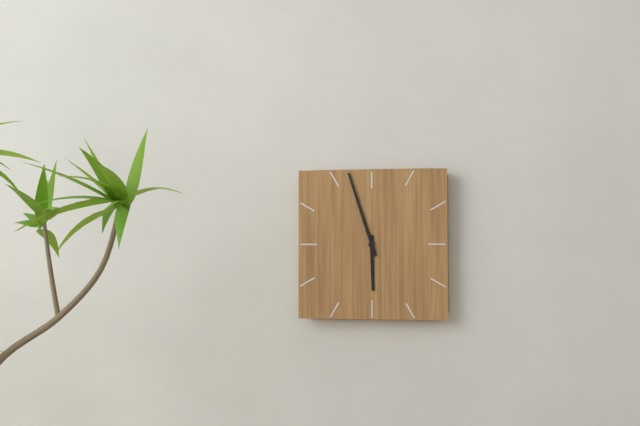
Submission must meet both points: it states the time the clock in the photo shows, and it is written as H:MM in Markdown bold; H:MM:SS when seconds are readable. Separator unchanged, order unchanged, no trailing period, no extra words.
**5:57**
